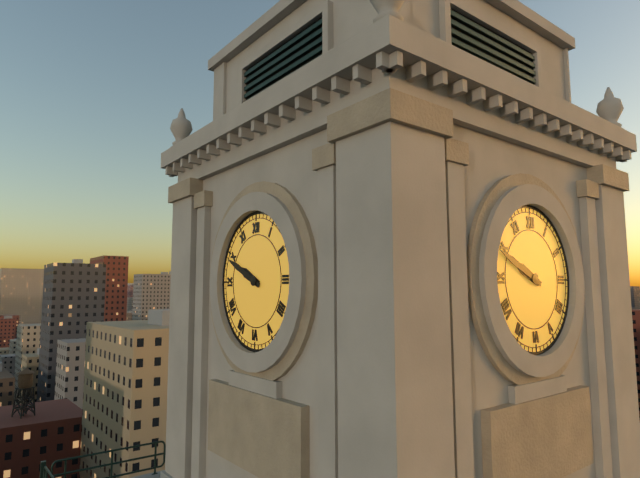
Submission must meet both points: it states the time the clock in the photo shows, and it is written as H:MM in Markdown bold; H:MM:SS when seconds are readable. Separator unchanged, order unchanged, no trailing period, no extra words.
**9:49**
